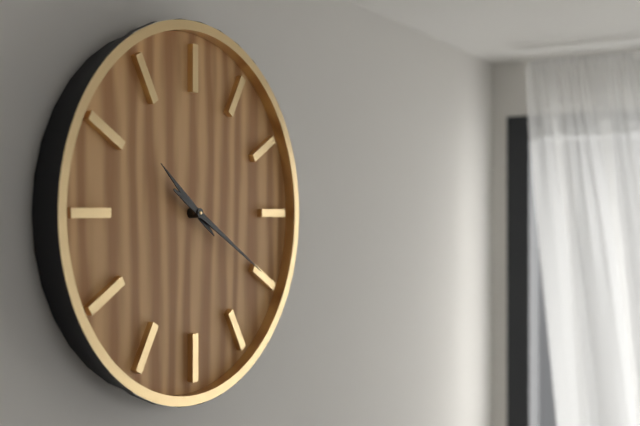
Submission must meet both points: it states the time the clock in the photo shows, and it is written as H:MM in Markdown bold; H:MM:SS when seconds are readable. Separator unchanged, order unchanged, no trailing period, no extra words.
**10:20**
